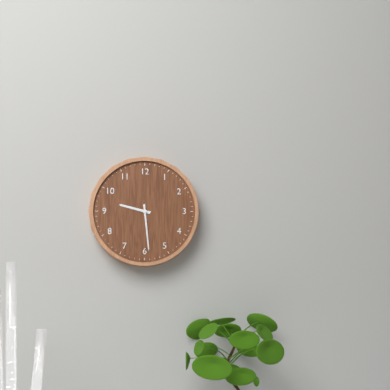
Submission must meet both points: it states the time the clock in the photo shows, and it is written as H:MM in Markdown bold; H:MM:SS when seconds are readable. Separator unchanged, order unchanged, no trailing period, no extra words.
**9:29**
